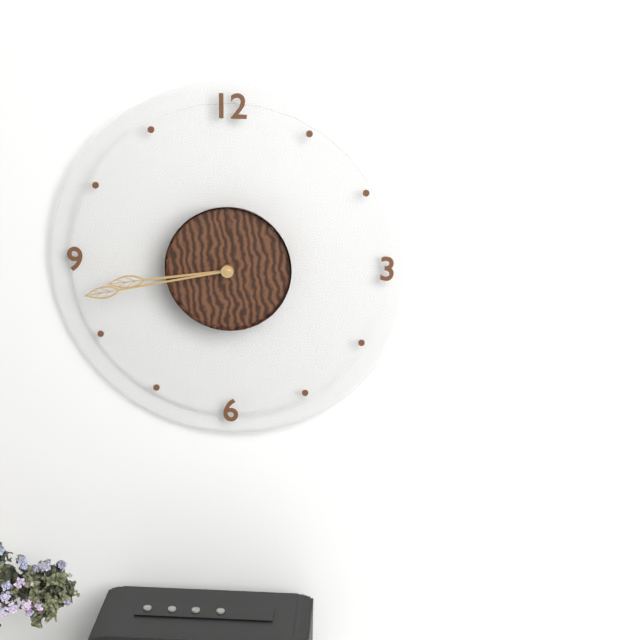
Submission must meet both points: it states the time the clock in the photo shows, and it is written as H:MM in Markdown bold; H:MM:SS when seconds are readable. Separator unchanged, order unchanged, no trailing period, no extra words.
**8:43**
